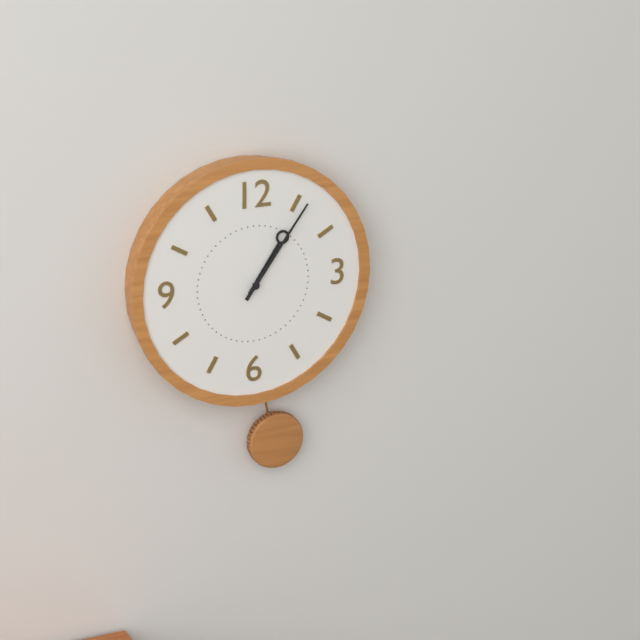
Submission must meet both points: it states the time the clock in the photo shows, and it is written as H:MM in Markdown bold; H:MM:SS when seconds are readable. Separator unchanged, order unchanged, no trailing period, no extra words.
**1:06**
